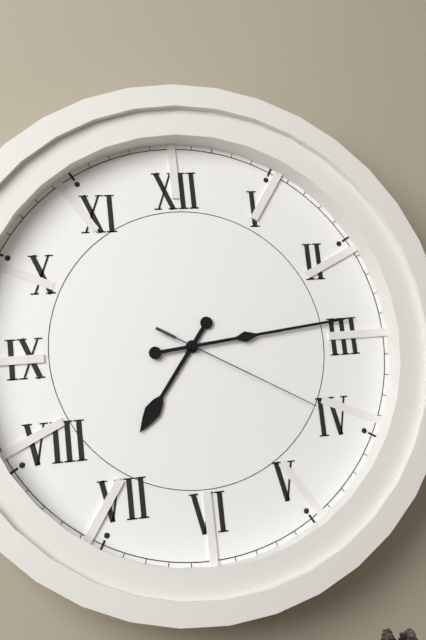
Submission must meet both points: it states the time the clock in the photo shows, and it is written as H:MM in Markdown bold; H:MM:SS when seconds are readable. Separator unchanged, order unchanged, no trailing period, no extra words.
**7:14:20**
